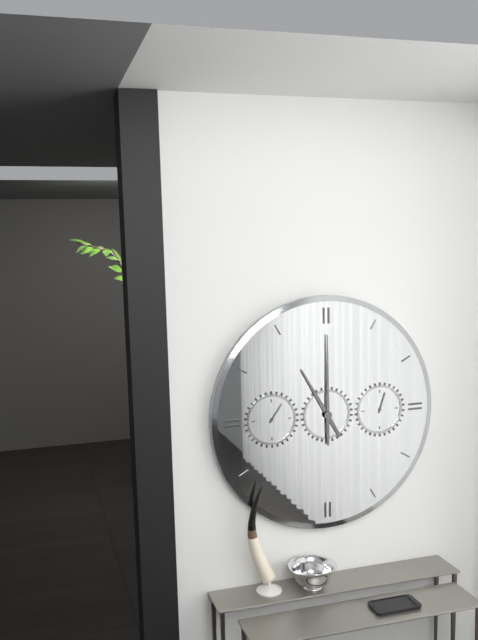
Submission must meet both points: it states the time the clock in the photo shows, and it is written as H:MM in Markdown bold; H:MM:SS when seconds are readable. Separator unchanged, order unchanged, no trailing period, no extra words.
**11:00**
